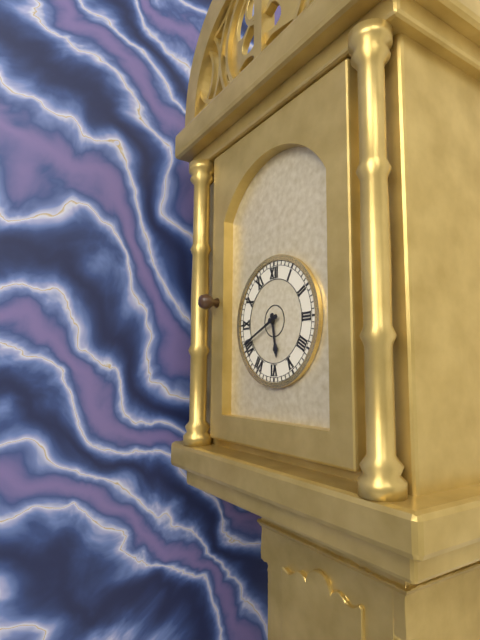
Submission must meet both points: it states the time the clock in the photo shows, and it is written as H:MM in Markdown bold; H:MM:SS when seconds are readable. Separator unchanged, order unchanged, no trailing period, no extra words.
**5:41**
